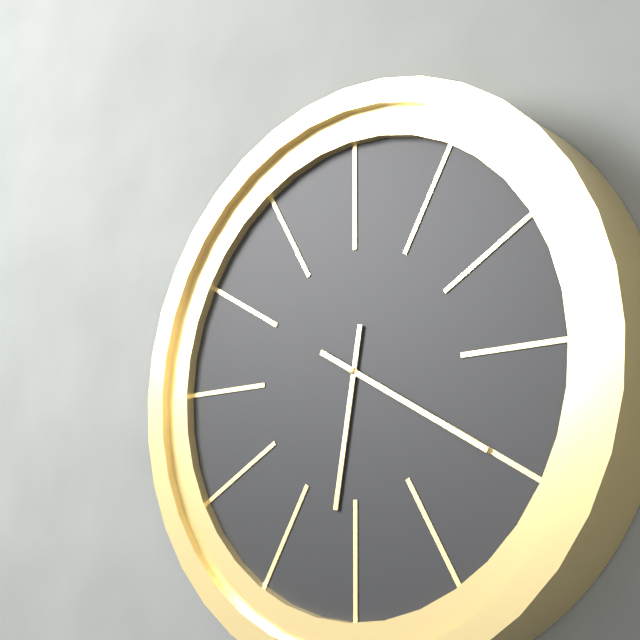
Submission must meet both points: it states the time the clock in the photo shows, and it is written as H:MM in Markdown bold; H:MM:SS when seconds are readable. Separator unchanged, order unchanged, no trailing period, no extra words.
**6:20**
